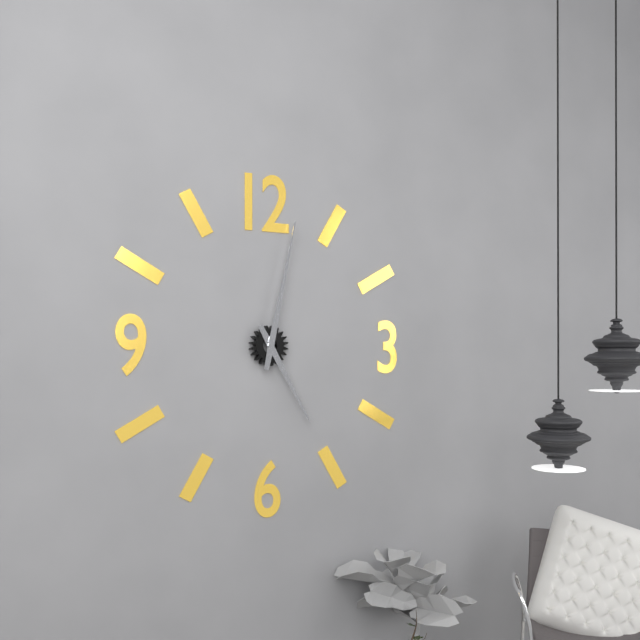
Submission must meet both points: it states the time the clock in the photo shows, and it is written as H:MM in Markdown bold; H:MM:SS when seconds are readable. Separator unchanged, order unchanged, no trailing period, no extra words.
**5:02**
